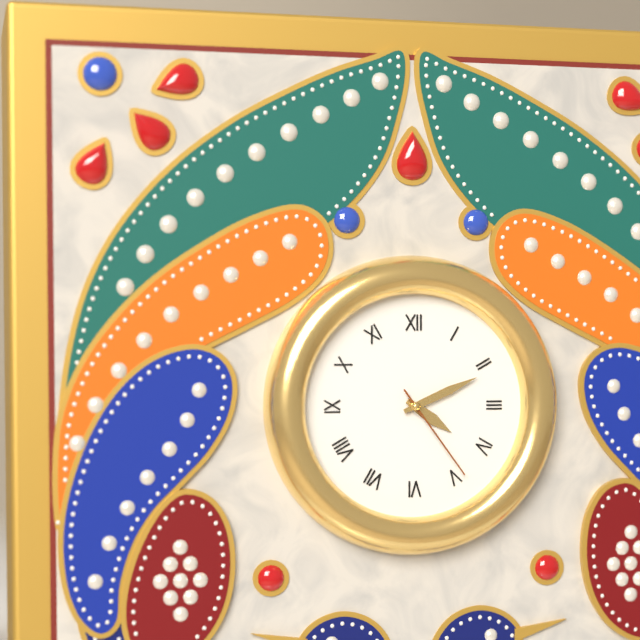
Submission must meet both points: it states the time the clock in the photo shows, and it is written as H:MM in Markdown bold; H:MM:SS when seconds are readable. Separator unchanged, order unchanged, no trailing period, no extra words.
**4:11:24**
